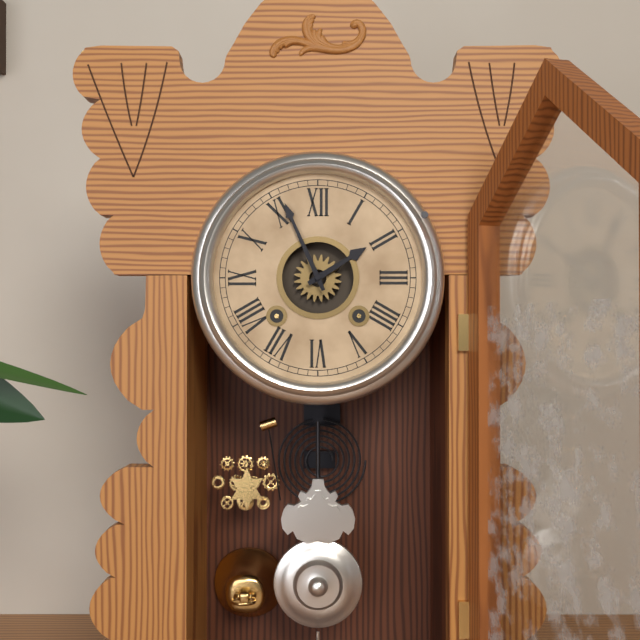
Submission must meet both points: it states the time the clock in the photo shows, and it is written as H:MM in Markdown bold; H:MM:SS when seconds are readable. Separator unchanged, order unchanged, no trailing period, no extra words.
**1:56**
